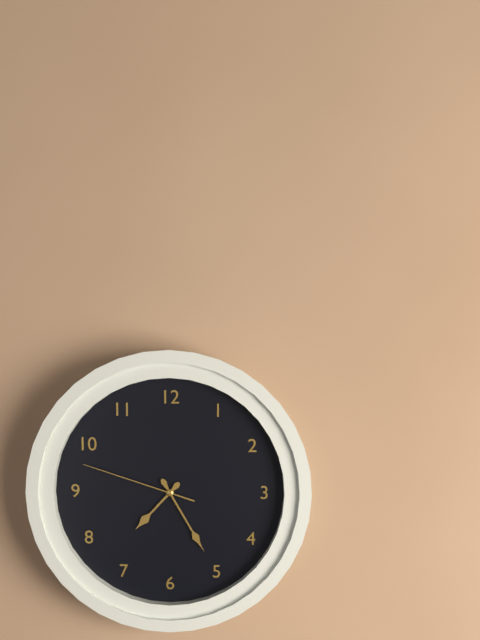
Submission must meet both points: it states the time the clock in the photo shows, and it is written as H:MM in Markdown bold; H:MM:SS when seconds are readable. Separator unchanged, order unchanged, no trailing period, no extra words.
**7:25:48**
